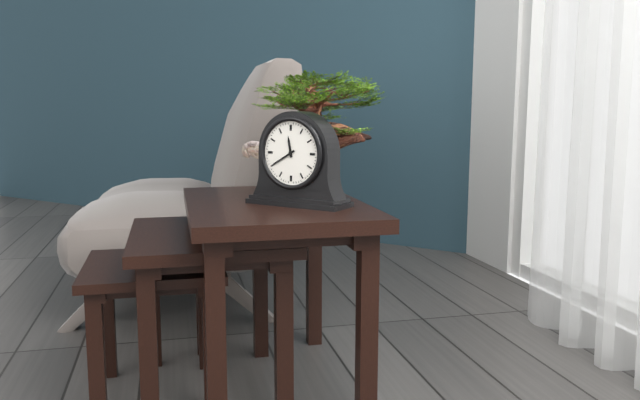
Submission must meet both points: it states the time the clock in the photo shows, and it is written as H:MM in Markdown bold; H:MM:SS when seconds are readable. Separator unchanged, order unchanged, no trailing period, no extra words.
**11:40**
